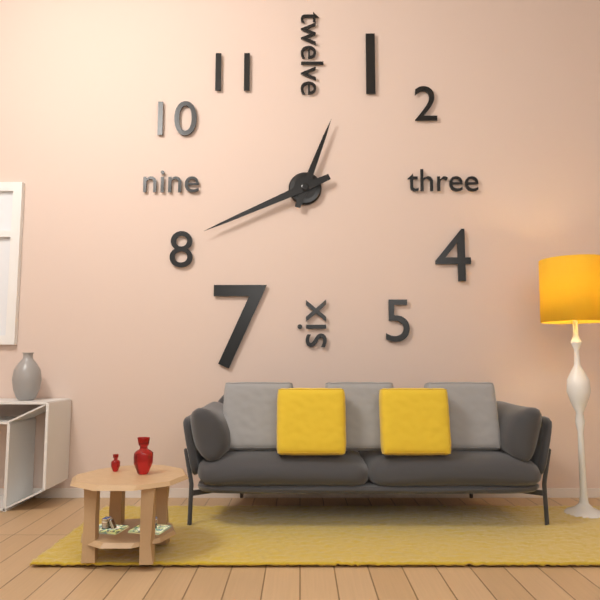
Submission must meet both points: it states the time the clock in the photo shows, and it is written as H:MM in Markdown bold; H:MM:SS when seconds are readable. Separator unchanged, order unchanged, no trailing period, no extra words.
**12:41**
